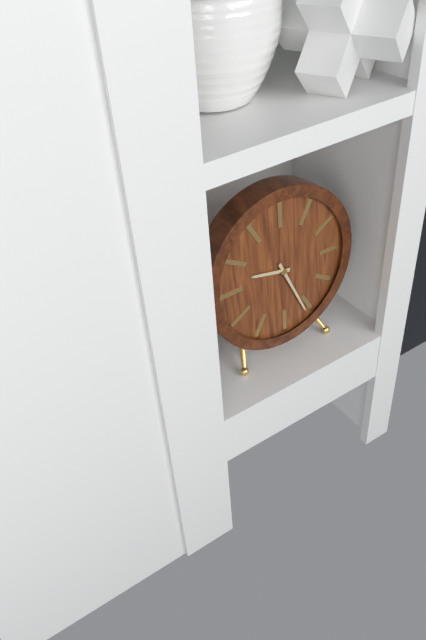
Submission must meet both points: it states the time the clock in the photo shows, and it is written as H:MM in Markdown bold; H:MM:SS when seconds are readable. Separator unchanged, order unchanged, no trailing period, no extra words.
**9:26**
